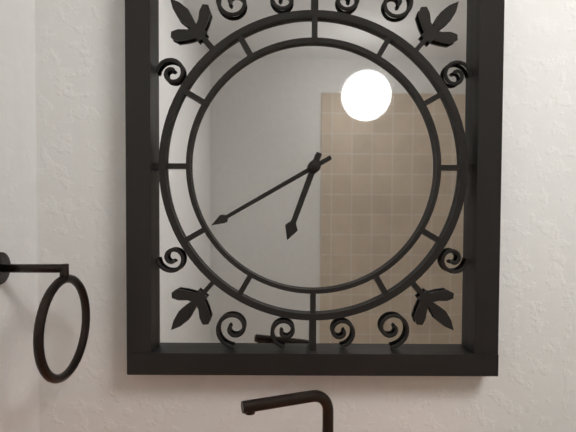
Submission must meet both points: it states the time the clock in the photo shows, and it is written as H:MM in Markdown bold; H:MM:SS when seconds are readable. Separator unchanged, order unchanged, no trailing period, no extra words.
**6:40**
